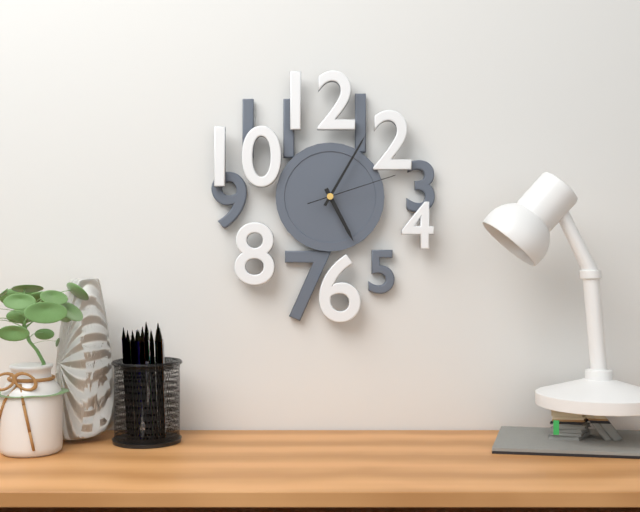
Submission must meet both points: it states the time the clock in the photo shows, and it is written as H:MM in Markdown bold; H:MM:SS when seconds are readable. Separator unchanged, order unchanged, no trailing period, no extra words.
**5:05:12**
